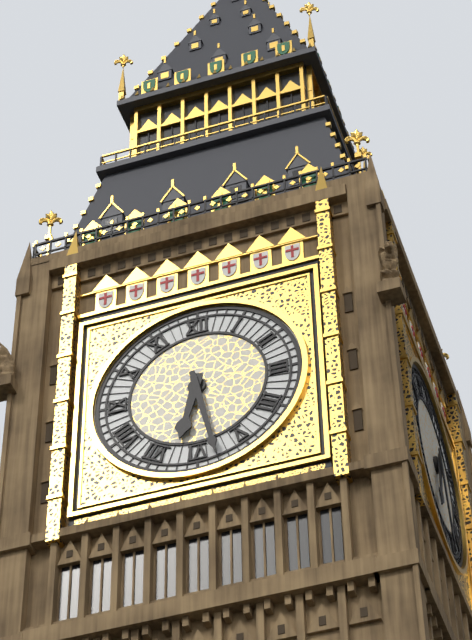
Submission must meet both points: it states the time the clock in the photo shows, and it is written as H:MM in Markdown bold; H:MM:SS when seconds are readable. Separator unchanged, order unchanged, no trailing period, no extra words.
**6:28**
